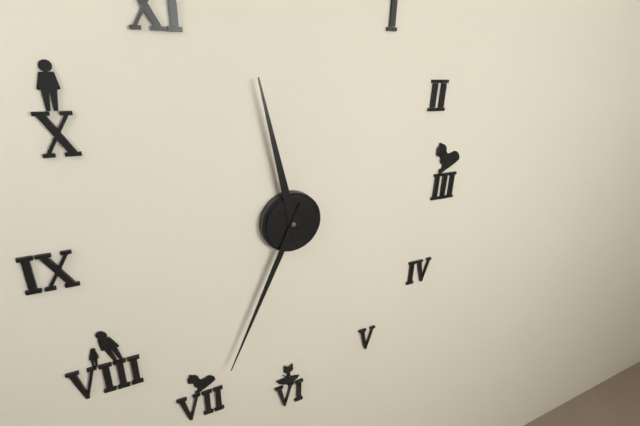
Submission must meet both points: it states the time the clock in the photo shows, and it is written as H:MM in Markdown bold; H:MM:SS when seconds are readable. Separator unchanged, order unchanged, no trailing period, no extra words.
**11:34**
